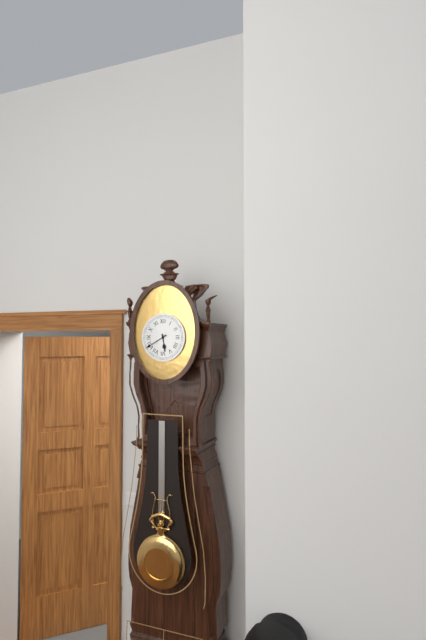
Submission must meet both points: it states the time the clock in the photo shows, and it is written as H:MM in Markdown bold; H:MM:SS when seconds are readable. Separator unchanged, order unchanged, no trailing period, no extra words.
**5:40**
